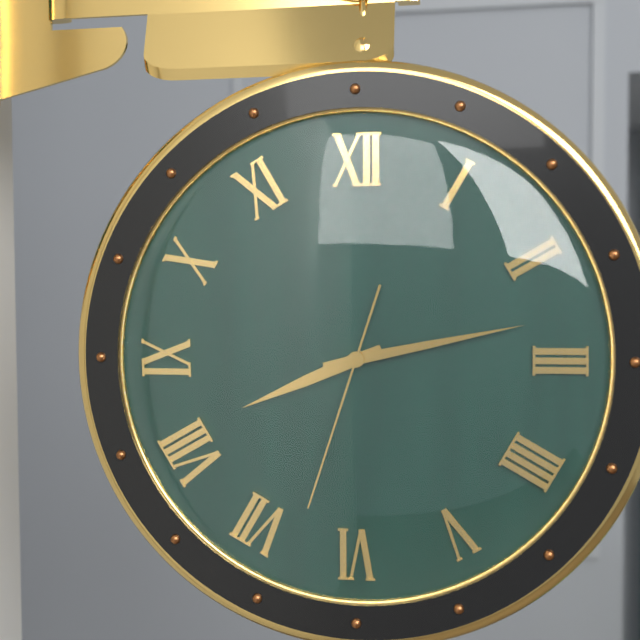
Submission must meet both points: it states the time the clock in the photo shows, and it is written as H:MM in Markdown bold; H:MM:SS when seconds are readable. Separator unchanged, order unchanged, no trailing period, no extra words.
**8:13:33**
